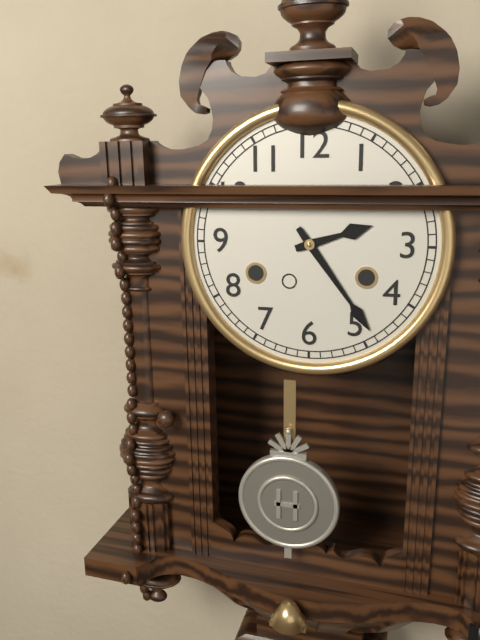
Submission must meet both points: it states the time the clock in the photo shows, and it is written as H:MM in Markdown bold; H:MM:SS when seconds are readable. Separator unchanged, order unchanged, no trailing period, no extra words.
**2:24**
